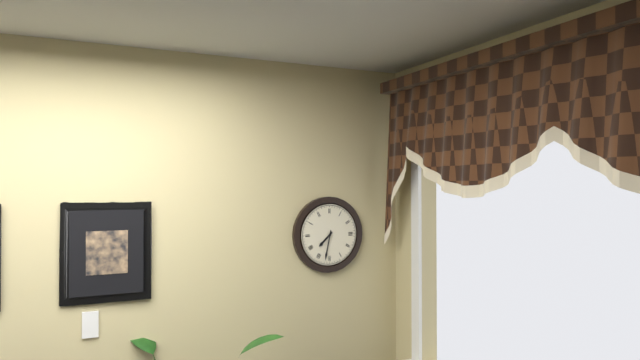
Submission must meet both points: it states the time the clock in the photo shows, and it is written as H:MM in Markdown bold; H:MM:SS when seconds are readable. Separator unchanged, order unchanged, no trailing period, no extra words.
**7:32**
